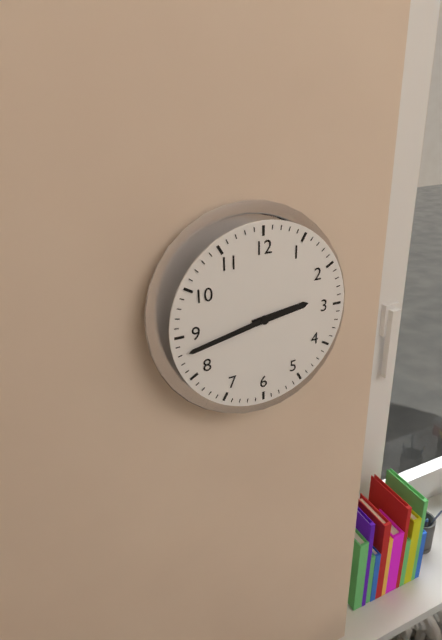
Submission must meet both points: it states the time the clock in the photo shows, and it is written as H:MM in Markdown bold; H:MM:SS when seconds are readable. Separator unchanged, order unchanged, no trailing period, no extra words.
**2:43**
